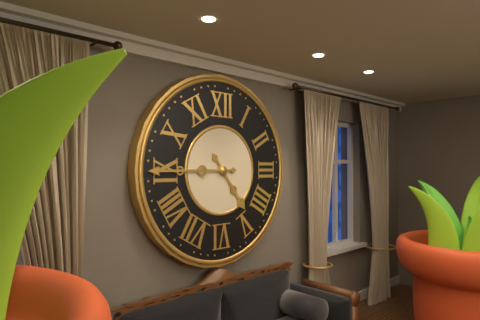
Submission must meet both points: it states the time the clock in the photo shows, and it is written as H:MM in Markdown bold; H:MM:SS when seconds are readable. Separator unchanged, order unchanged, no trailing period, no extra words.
**4:45**
